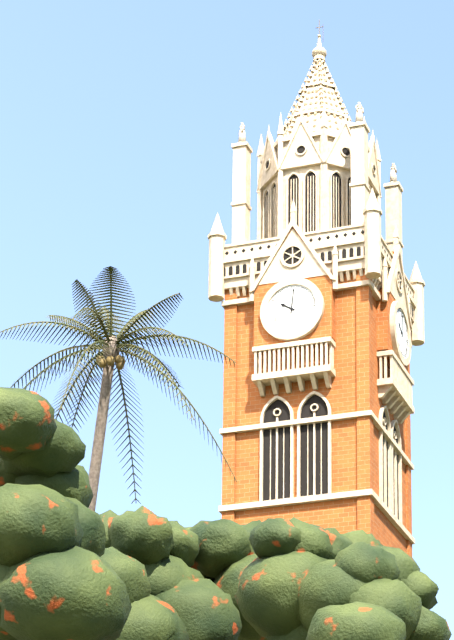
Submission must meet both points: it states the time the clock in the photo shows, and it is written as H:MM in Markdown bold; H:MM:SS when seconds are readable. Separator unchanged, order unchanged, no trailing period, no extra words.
**10:01**
